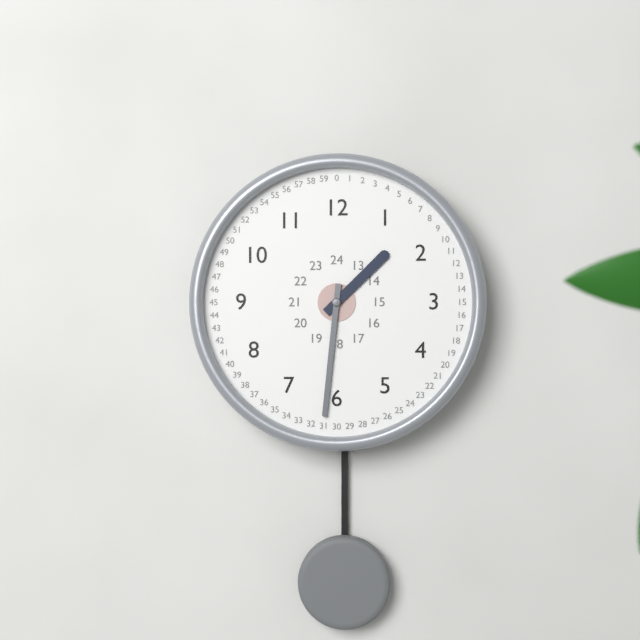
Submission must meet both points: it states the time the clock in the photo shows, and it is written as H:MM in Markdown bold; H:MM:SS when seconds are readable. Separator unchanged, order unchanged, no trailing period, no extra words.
**1:31**
